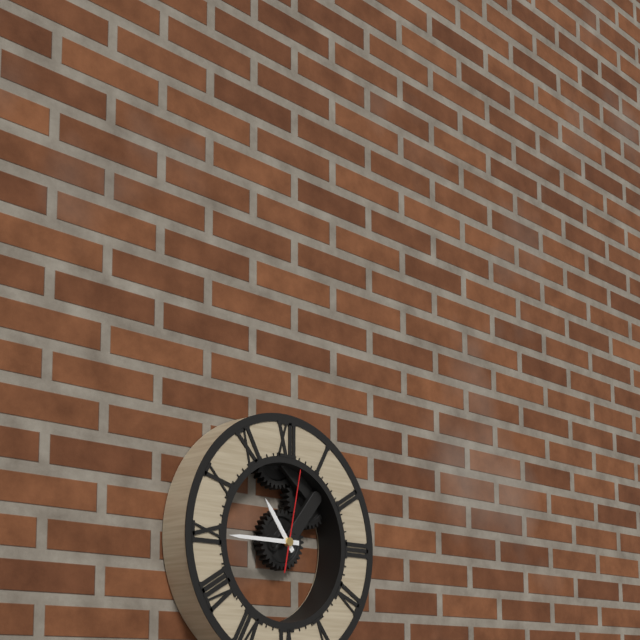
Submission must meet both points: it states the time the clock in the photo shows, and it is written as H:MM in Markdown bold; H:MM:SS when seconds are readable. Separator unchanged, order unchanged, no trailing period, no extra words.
**10:45:02**
